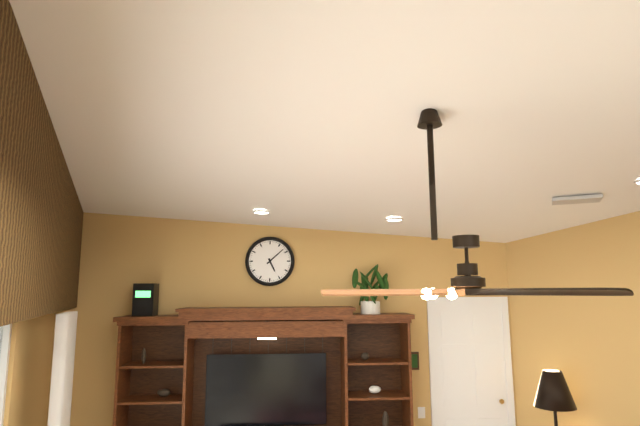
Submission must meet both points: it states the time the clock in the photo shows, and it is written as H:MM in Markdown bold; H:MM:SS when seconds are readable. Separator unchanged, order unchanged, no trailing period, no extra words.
**5:08**
